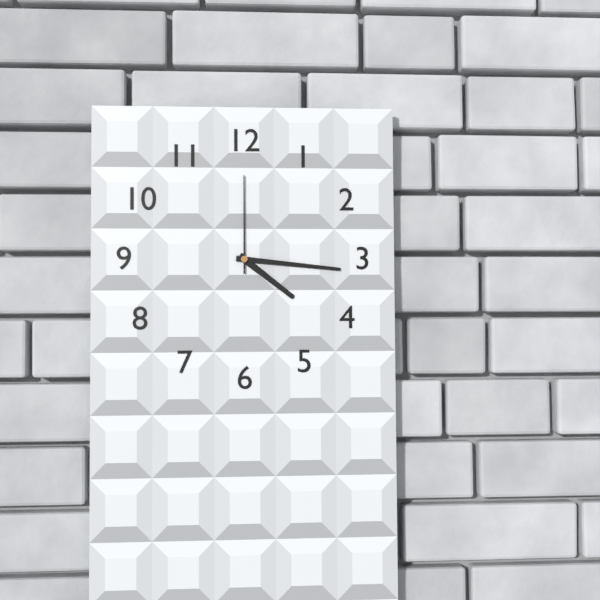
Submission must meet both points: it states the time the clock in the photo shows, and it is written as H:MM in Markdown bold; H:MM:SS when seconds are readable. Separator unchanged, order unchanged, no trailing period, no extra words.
**4:16:00**
